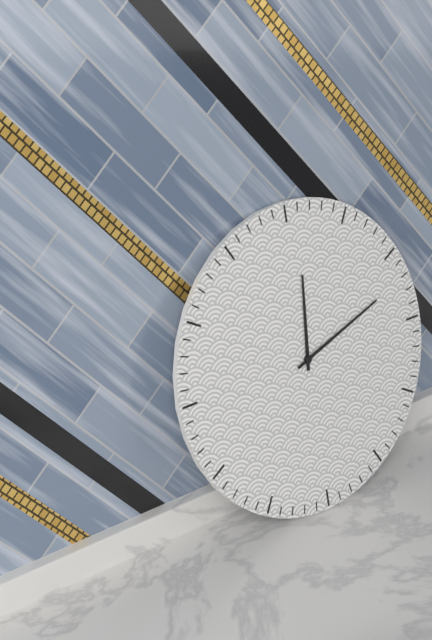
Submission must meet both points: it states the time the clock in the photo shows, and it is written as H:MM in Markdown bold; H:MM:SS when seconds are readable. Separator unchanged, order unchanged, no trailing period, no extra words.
**12:12**
